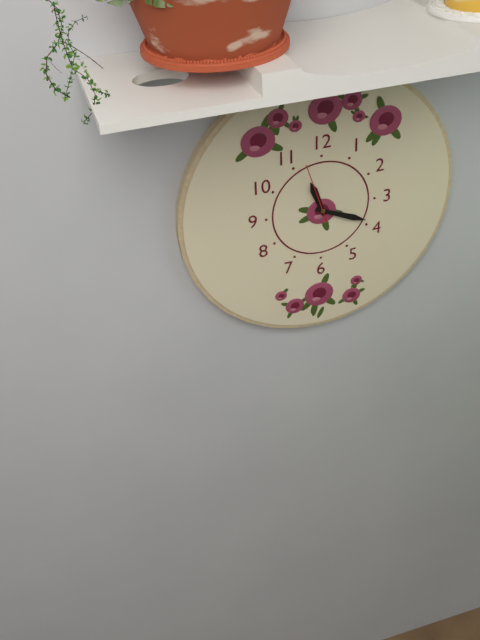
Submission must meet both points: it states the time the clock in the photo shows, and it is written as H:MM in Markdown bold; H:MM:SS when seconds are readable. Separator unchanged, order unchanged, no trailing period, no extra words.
**11:19:57**
